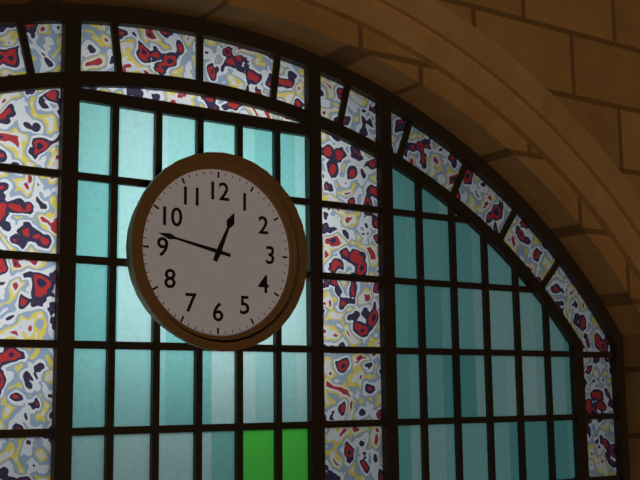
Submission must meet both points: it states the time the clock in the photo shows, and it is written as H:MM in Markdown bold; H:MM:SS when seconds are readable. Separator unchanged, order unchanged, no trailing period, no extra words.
**12:47**
